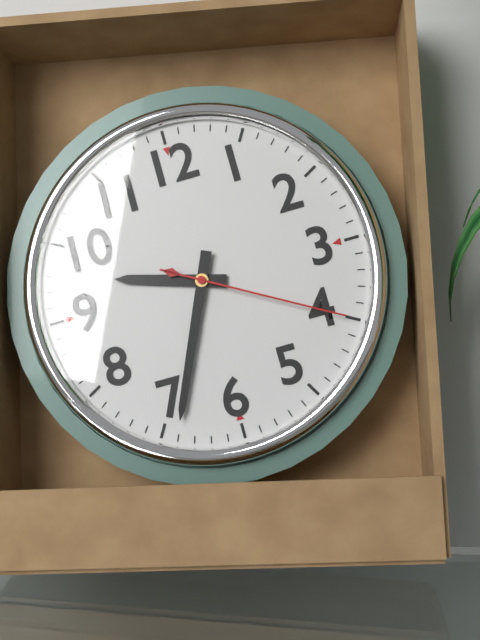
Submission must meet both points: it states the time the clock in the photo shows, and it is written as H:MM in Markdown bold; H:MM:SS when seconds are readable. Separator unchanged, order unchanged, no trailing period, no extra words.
**9:34:20**
